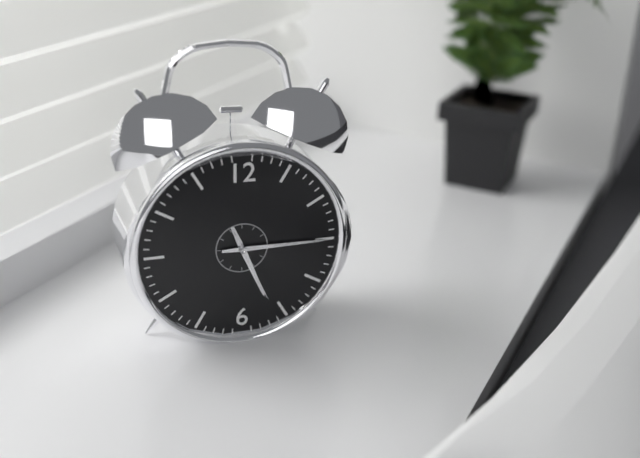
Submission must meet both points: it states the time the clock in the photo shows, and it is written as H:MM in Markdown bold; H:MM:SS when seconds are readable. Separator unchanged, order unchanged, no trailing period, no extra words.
**5:15:26**
